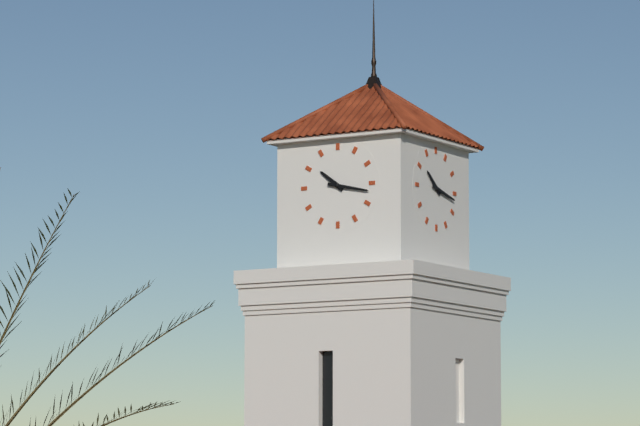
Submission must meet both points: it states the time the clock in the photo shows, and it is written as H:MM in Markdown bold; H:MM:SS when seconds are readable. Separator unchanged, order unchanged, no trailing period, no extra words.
**10:17**
